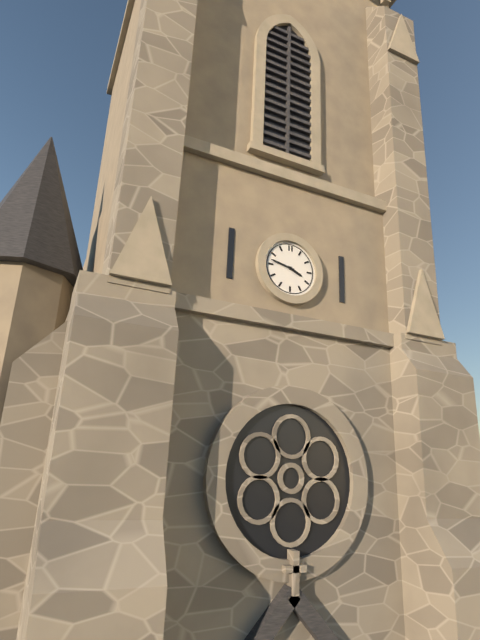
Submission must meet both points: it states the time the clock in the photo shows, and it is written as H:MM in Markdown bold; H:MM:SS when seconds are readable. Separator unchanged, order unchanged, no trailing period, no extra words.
**3:47**
